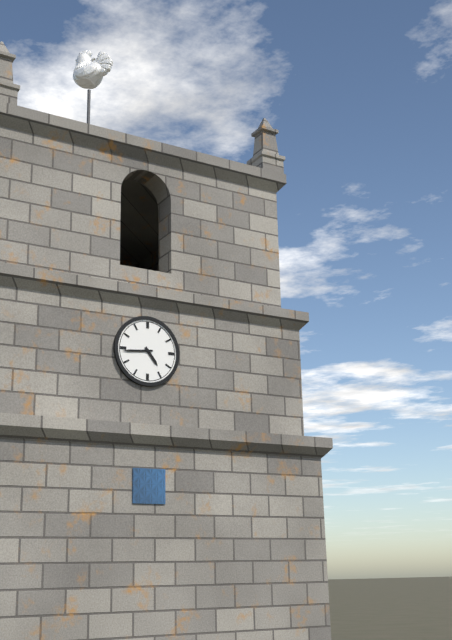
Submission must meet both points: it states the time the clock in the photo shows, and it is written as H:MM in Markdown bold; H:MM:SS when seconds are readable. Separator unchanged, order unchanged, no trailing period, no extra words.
**4:44**
